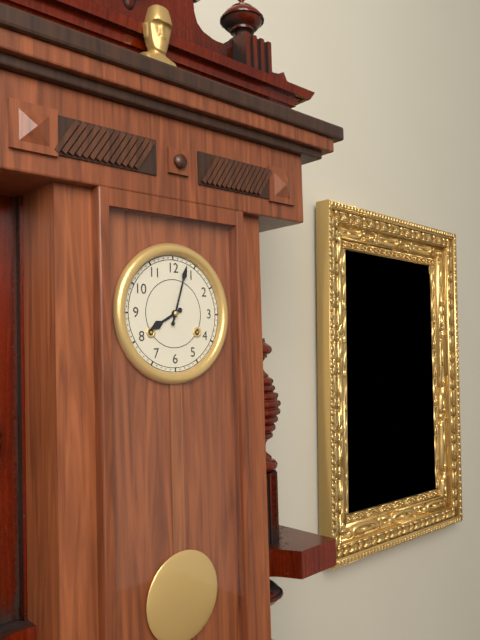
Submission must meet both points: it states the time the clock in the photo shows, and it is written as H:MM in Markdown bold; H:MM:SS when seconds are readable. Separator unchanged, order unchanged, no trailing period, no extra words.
**8:03**
